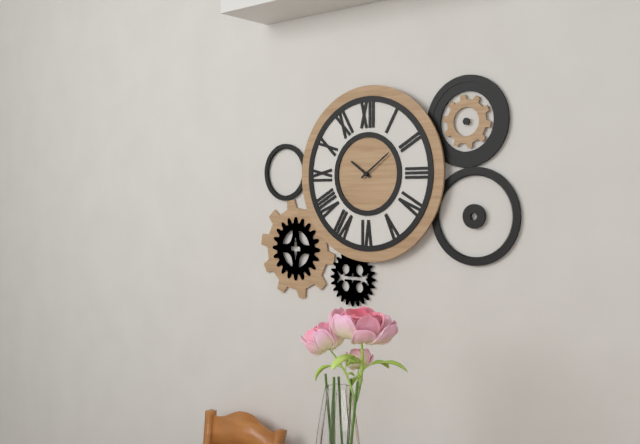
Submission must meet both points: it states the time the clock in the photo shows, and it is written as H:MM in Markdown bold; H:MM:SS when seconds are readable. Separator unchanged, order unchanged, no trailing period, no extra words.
**10:09**
